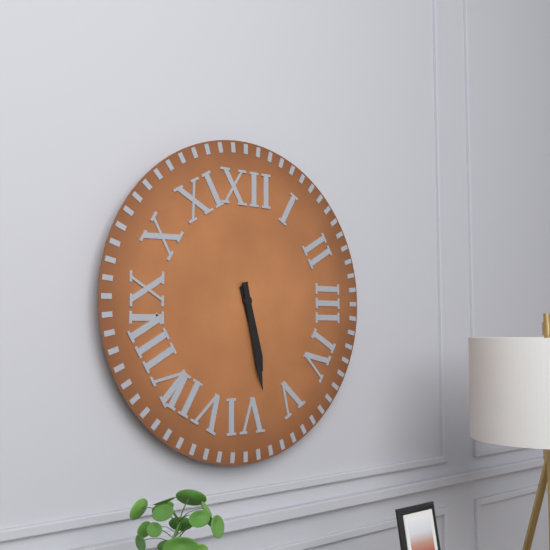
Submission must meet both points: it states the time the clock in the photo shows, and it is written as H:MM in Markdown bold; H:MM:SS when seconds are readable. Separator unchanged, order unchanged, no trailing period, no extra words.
**5:28**
